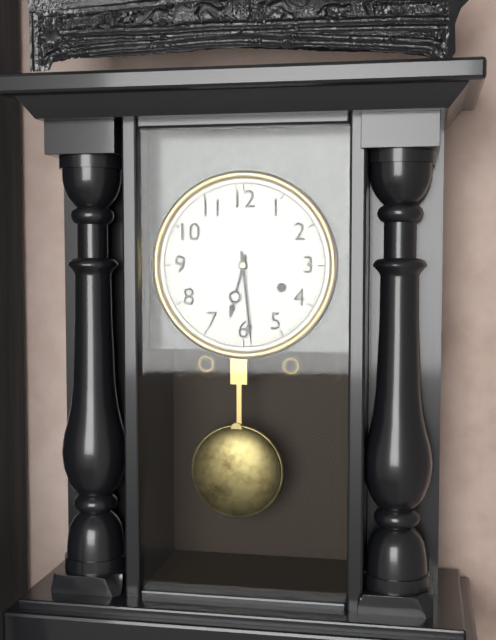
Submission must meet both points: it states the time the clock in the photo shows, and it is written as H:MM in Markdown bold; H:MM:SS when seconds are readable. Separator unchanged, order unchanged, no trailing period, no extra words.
**6:29**
